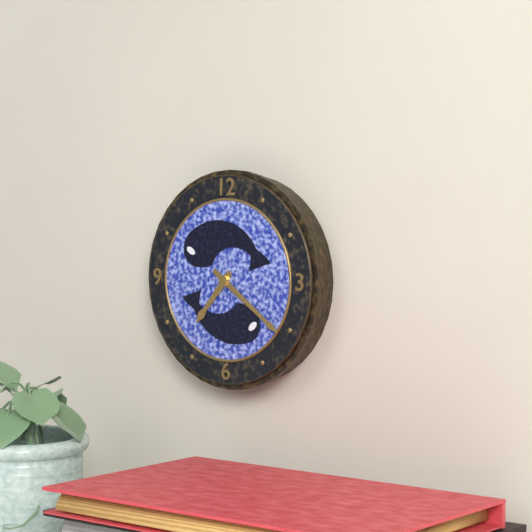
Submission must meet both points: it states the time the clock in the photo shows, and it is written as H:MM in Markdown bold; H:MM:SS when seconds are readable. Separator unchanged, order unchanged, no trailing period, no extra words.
**7:21**
